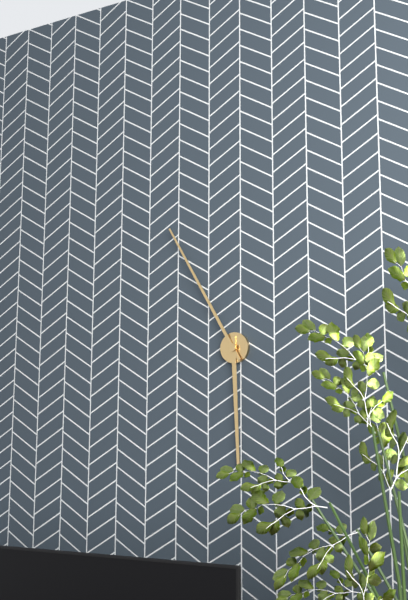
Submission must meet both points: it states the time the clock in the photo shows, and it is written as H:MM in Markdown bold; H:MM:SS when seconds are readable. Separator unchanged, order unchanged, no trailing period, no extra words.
**5:55**
